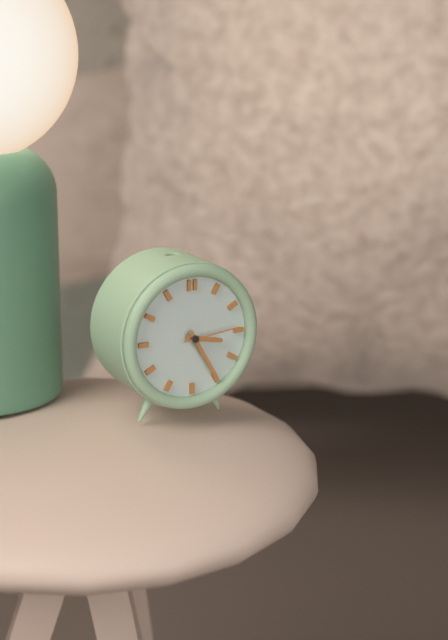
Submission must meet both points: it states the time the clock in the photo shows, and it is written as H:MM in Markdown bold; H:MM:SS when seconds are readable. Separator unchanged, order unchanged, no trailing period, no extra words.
**3:25:14**
